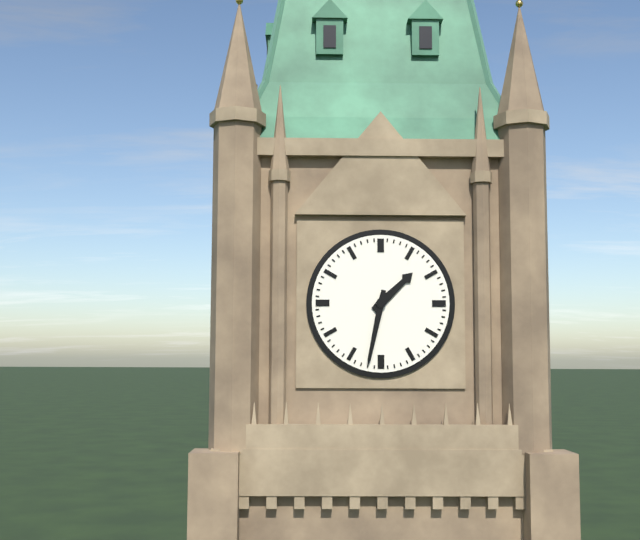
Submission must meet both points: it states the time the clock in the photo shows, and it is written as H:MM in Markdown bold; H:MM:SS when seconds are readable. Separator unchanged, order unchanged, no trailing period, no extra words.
**1:32**
